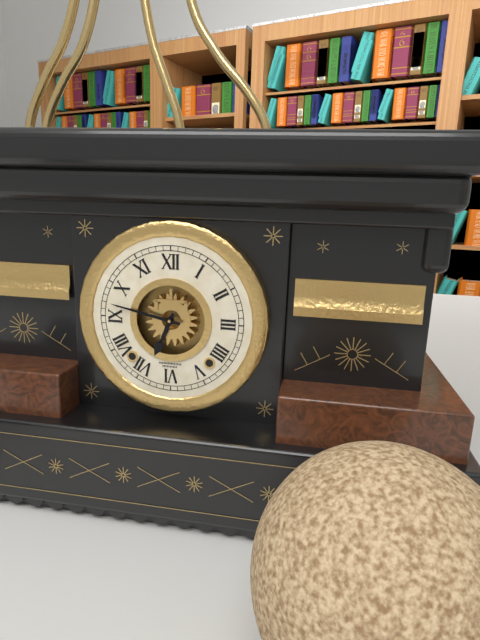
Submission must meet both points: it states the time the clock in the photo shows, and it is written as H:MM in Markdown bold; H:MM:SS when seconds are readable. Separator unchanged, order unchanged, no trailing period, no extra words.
**6:47**
